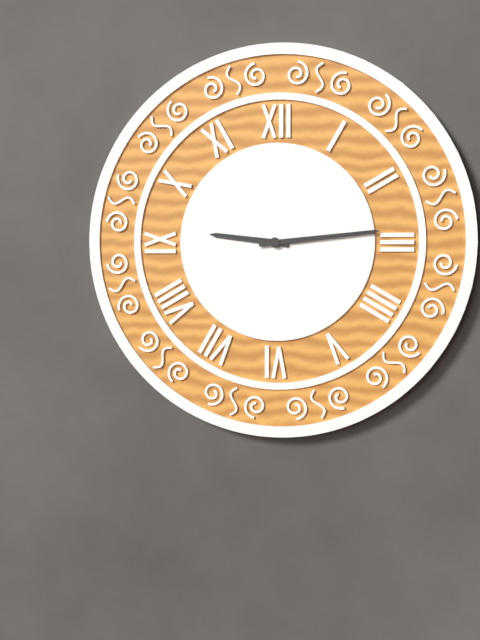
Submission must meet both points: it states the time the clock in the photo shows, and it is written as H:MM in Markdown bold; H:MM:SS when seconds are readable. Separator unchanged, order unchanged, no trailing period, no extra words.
**9:14**
